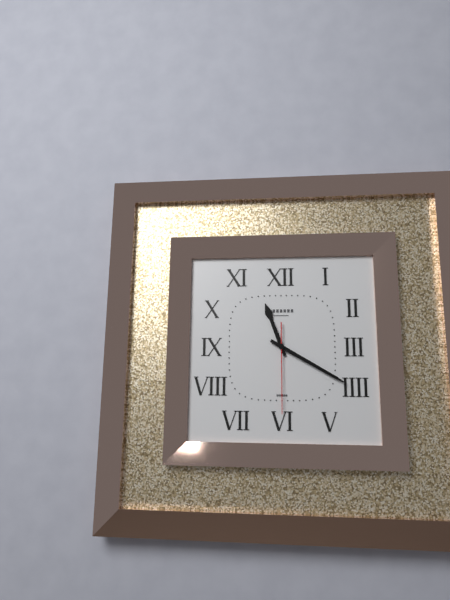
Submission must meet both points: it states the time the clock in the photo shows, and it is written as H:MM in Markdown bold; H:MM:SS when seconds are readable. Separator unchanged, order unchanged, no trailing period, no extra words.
**11:20:30**
